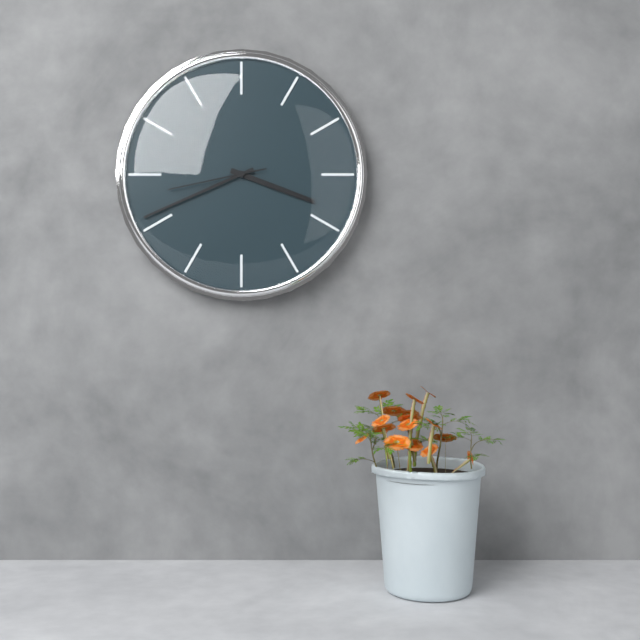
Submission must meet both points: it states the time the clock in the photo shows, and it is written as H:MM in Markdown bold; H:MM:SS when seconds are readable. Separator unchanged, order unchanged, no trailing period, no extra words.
**3:41:43**
